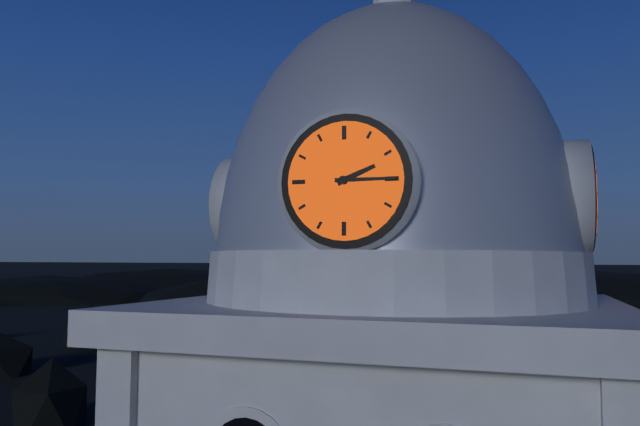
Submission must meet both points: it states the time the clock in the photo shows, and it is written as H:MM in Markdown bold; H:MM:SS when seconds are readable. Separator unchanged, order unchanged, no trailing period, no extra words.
**2:15**
